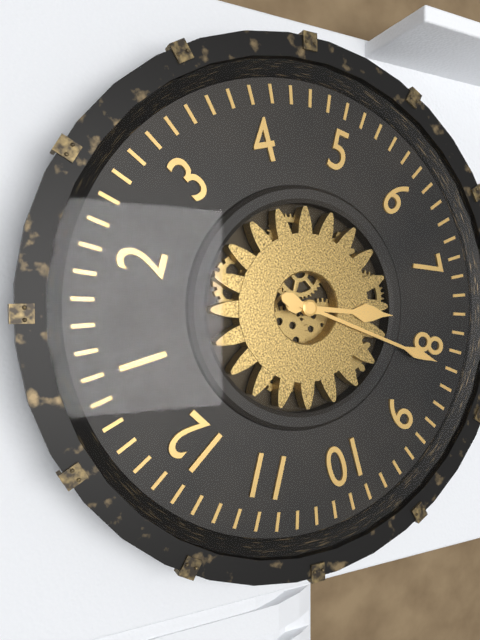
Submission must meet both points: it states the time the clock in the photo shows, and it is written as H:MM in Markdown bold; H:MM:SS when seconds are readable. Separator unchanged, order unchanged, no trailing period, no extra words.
**7:41**
